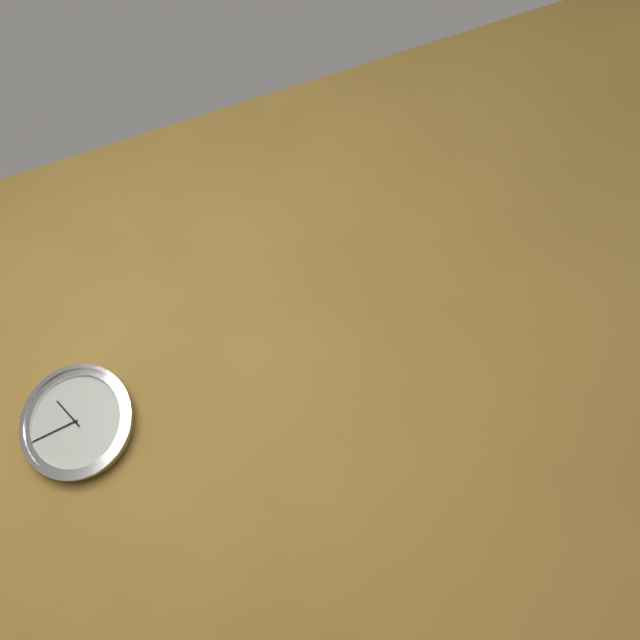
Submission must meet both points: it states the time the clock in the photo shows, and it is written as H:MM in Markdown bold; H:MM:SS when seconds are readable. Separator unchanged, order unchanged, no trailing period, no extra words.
**10:42**
